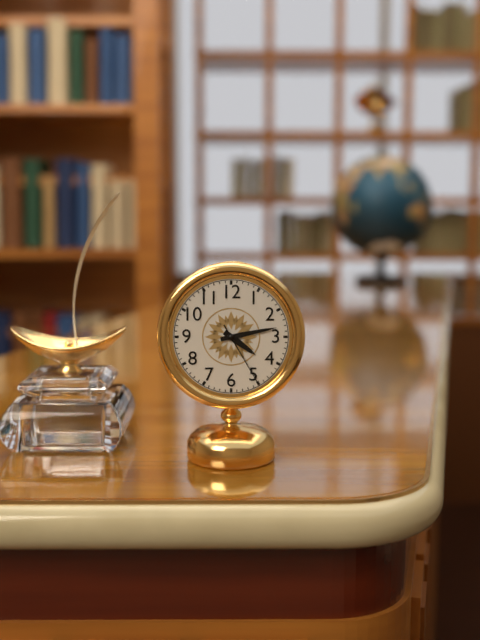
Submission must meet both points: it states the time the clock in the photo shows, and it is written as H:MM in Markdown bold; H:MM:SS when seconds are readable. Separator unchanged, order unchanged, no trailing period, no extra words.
**4:13:25**
